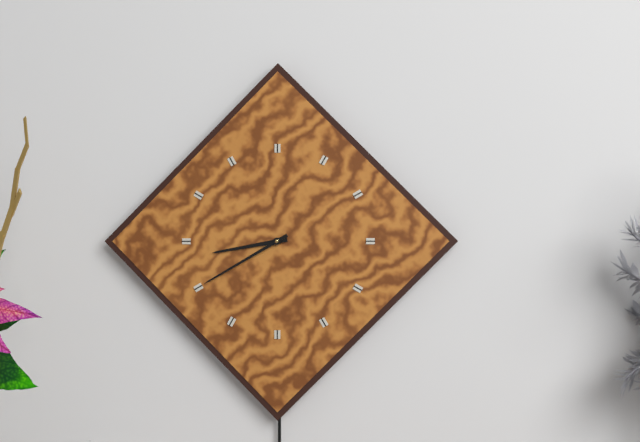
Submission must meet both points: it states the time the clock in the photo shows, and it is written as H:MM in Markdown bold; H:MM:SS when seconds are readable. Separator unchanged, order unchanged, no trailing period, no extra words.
**8:40**
